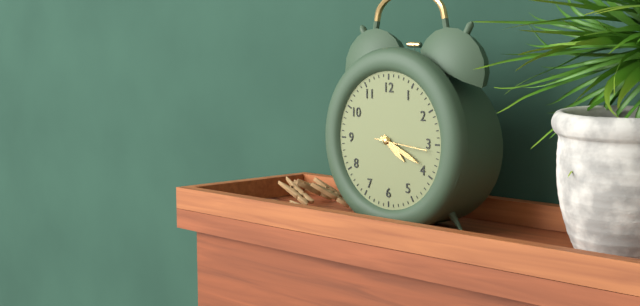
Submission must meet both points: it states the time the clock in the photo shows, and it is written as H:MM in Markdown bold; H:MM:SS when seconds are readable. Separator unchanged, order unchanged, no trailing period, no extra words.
**4:19**
